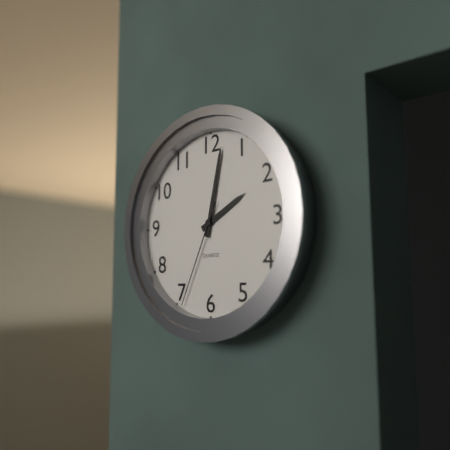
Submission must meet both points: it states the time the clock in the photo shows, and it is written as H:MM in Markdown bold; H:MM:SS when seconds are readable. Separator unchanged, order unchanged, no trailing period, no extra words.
**2:02:34**
